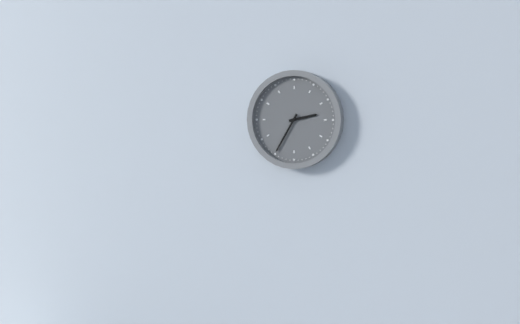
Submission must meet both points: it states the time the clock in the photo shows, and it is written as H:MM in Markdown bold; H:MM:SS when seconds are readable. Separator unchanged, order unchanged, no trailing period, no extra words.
**2:35**
